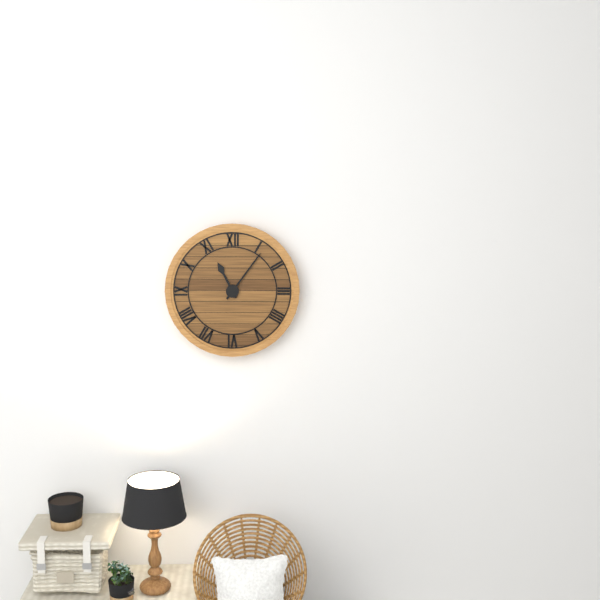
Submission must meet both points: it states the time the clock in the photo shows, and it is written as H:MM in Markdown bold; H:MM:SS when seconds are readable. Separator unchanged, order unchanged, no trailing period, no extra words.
**11:06**
